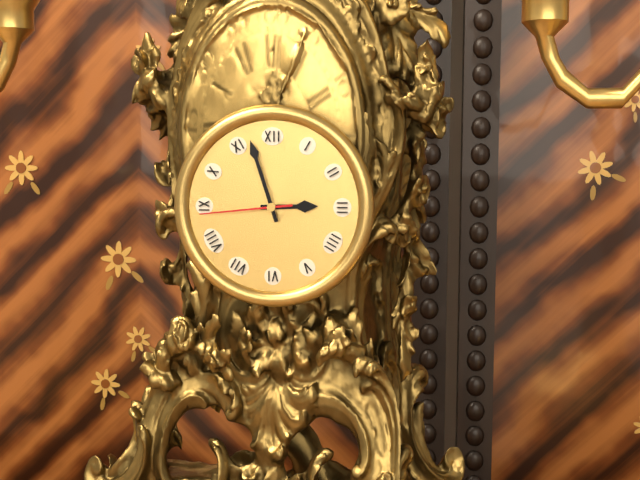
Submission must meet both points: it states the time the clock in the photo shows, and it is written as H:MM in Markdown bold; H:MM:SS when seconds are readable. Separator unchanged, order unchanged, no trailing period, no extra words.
**2:57:44**
